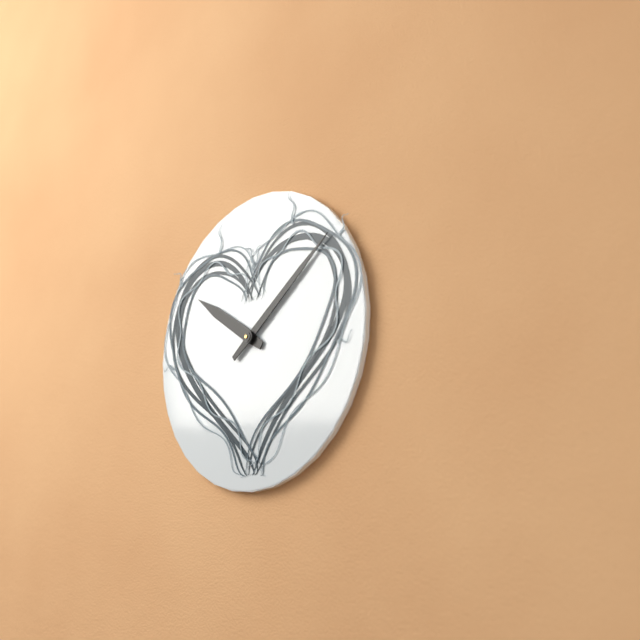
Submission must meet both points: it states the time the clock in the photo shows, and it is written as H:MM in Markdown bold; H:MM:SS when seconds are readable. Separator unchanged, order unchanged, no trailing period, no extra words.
**10:09**
